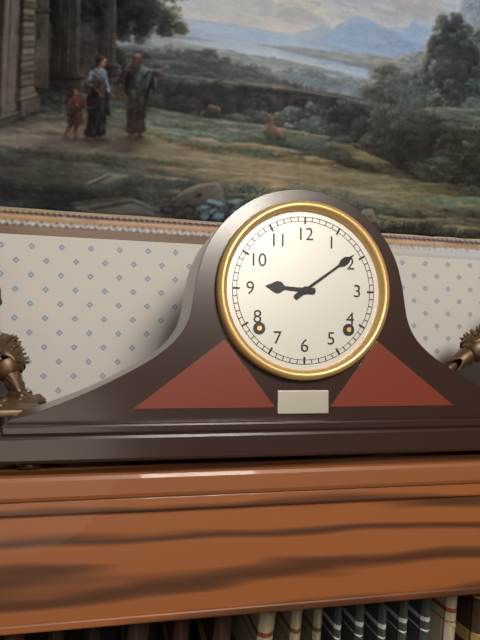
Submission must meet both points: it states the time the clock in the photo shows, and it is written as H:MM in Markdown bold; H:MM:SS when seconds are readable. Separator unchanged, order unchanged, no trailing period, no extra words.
**9:09**
